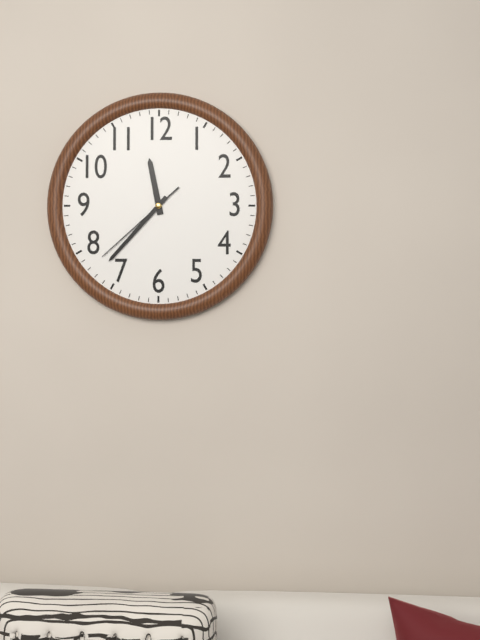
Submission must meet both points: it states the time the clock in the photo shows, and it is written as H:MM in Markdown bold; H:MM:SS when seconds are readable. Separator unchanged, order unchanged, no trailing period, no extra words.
**11:37:38**
